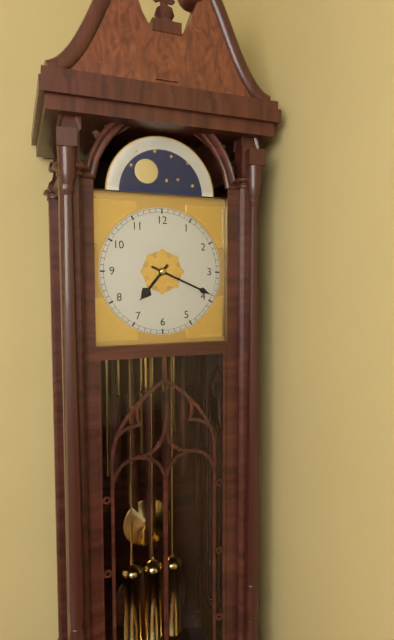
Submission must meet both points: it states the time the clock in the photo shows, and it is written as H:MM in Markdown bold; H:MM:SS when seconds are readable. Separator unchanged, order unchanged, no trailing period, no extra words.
**7:19**
